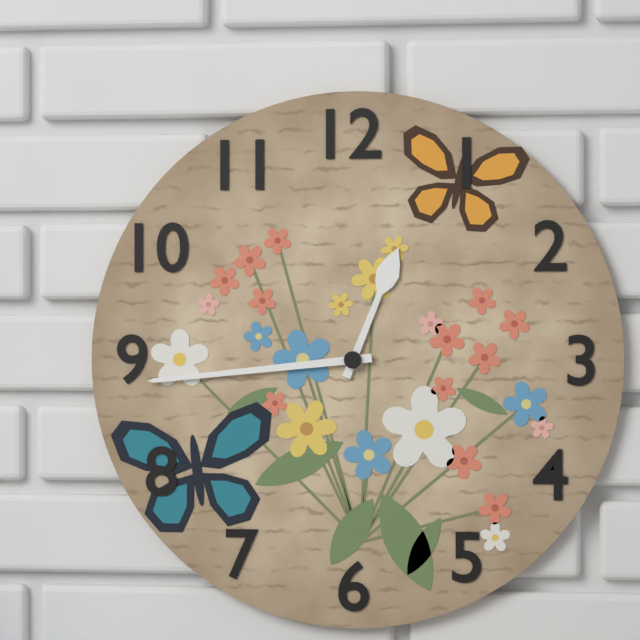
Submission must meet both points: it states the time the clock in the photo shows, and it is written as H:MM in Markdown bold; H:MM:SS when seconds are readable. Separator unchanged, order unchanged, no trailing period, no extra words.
**12:44**
